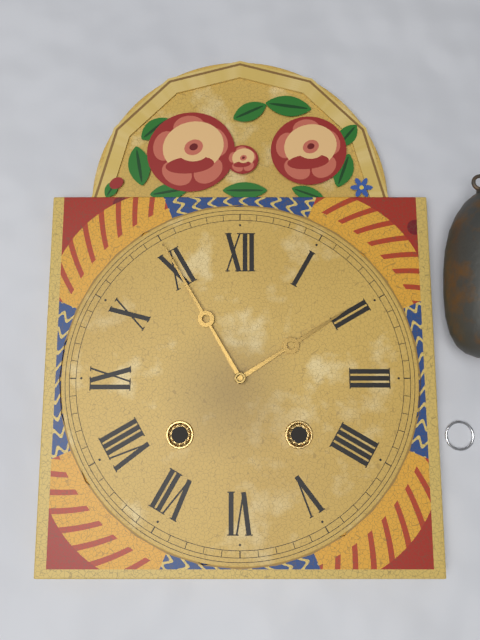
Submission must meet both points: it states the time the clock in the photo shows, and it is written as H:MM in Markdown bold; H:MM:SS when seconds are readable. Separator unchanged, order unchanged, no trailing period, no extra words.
**1:55**
